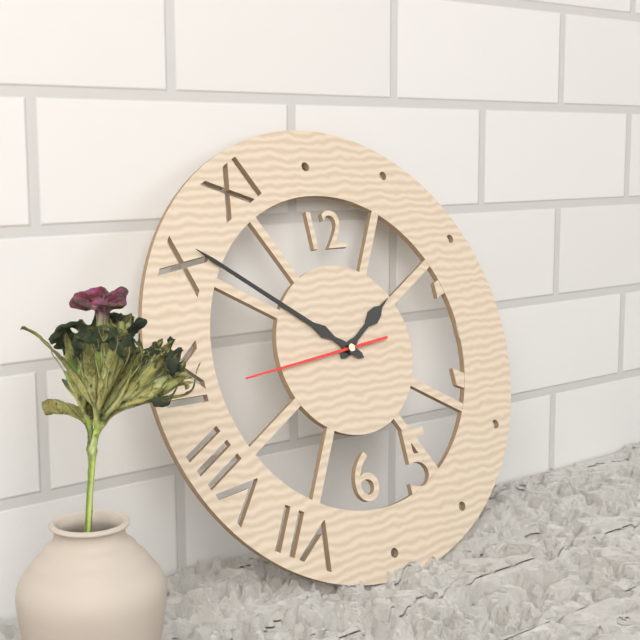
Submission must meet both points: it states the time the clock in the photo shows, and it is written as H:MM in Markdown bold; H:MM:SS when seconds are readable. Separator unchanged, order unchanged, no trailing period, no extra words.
**1:51:44**
